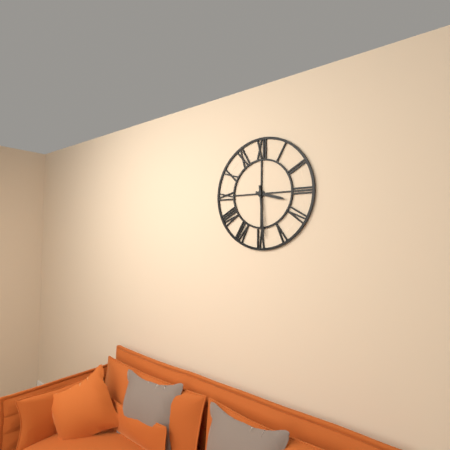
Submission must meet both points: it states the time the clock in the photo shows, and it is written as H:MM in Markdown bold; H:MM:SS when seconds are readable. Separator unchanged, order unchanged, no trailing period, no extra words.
**3:29**
